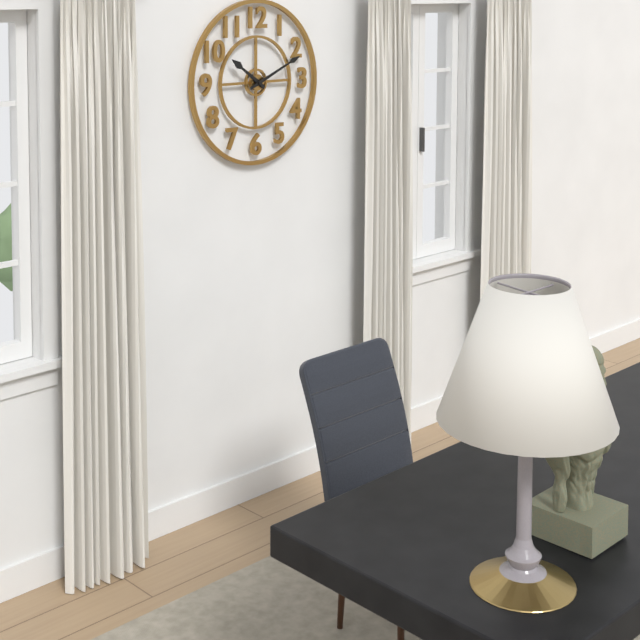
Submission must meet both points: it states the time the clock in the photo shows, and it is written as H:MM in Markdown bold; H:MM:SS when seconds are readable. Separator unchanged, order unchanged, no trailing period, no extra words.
**10:11**
